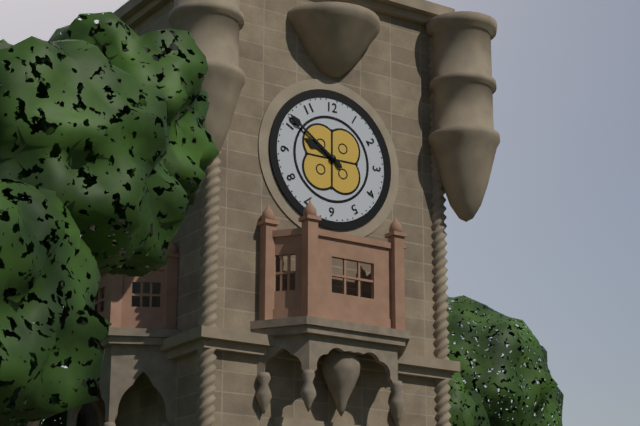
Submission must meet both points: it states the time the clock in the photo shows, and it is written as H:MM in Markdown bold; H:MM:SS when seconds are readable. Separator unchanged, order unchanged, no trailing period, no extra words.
**9:51**
